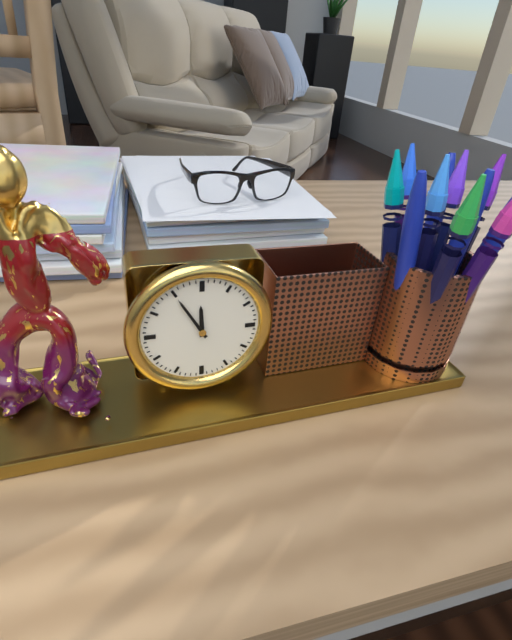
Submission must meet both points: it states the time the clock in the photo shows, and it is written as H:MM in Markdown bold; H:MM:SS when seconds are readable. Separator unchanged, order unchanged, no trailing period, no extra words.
**11:55**
